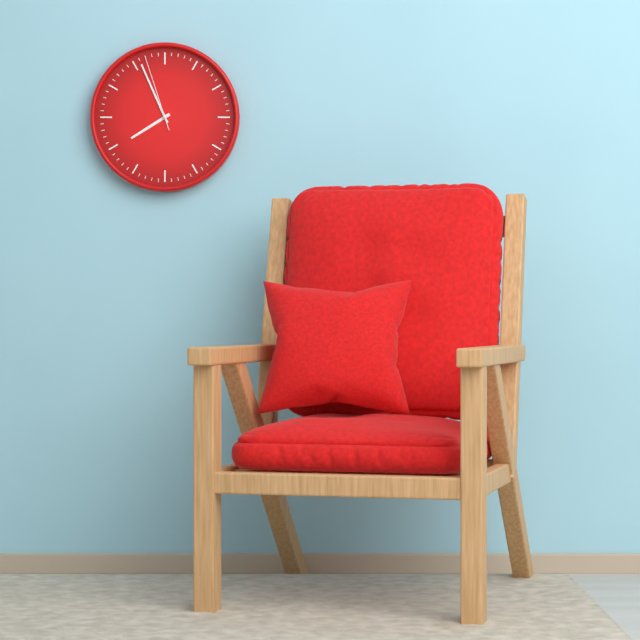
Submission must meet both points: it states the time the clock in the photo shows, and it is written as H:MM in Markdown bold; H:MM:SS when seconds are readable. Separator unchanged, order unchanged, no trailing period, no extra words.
**7:56:57**
